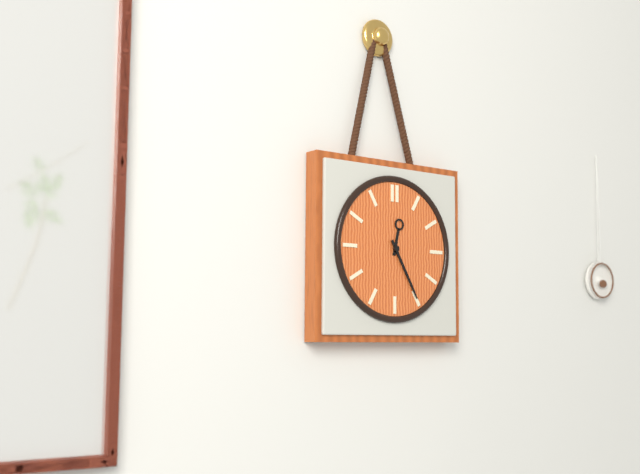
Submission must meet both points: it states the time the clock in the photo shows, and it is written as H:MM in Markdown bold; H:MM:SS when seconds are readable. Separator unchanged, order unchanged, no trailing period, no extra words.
**12:25**
